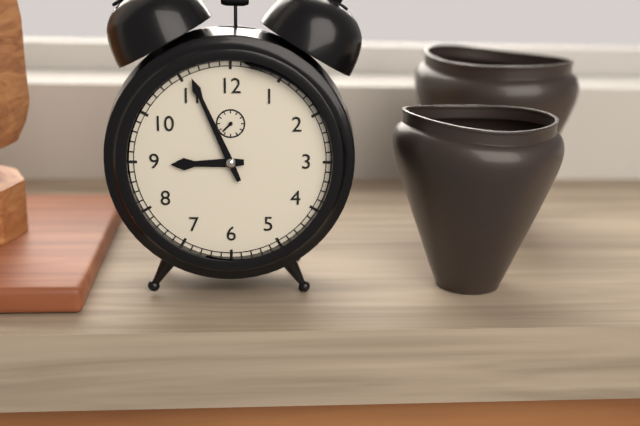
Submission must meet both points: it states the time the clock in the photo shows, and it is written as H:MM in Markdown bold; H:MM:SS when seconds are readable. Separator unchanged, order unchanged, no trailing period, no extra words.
**8:56**
